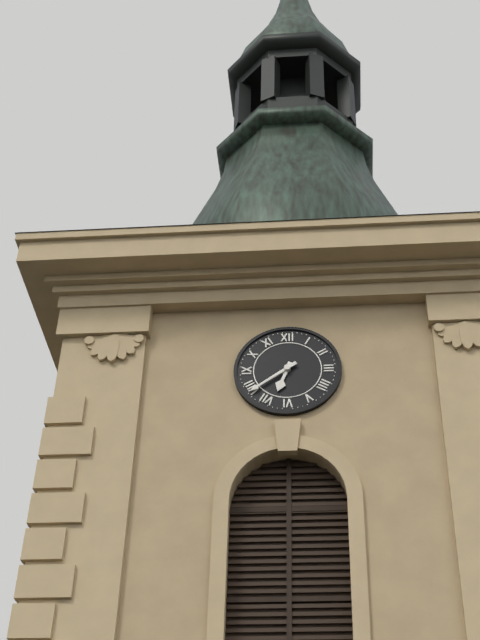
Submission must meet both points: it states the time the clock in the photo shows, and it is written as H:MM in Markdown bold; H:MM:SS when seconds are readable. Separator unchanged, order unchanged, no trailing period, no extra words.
**6:39**
